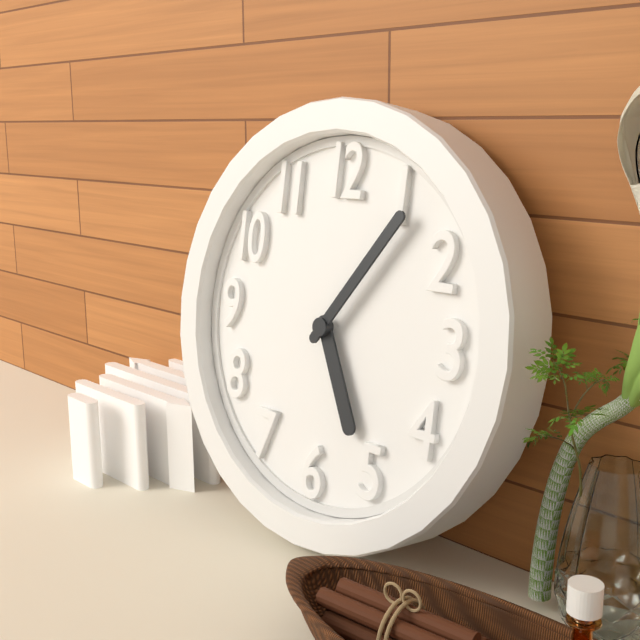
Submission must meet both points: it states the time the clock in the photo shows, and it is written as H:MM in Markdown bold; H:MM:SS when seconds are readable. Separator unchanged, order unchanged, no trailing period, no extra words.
**5:06**
